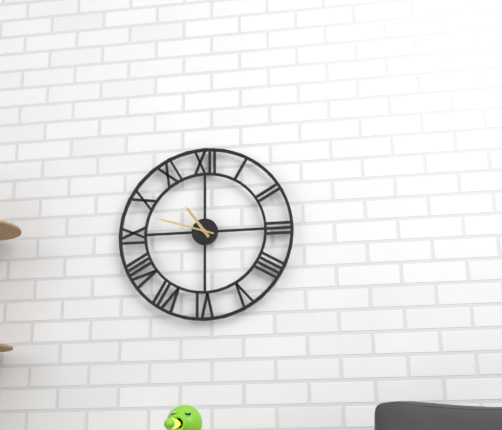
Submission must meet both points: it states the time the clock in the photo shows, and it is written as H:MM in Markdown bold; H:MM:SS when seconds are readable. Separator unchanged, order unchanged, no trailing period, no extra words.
**10:48**
